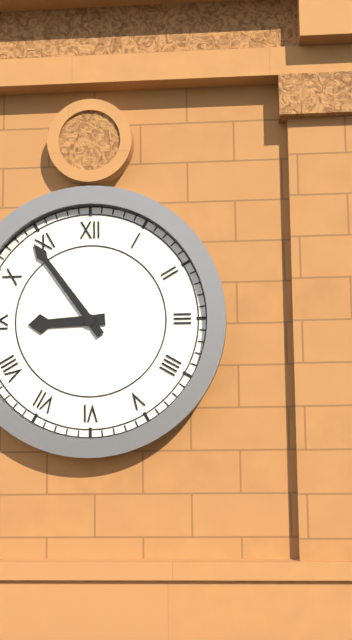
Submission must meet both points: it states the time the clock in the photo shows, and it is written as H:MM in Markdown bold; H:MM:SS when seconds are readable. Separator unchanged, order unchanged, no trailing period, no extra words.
**8:54**
